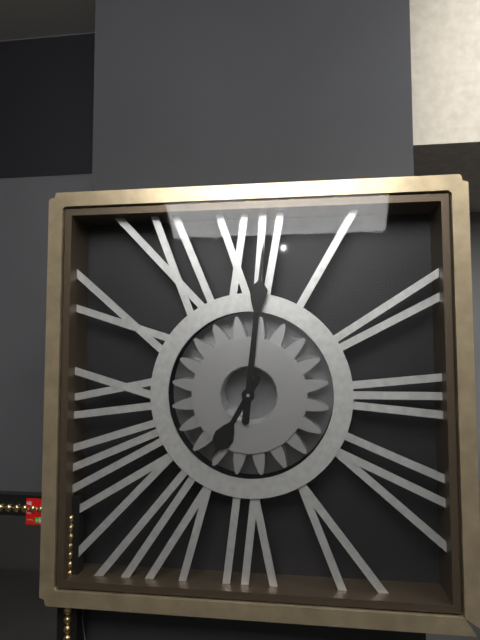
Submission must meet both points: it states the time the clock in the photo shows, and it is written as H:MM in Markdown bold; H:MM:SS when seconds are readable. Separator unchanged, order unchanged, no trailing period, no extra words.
**7:01**
